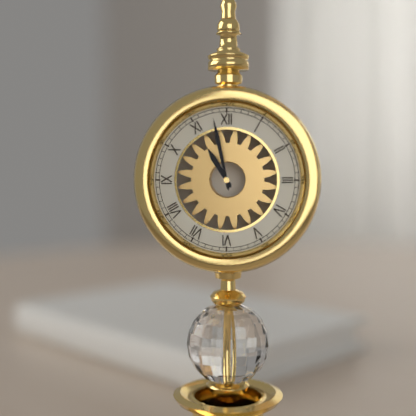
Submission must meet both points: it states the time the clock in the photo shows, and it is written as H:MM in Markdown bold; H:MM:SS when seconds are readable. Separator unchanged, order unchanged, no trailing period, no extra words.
**10:58**
